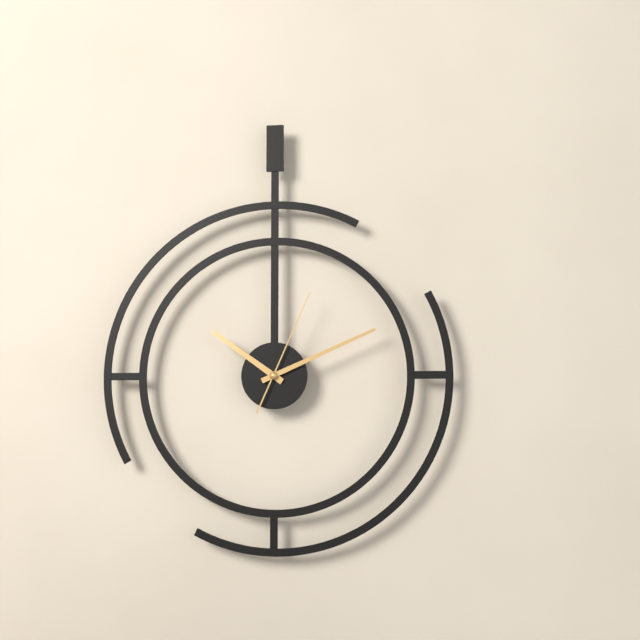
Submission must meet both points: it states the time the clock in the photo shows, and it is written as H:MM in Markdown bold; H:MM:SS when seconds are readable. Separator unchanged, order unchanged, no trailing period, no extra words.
**10:11:04**
